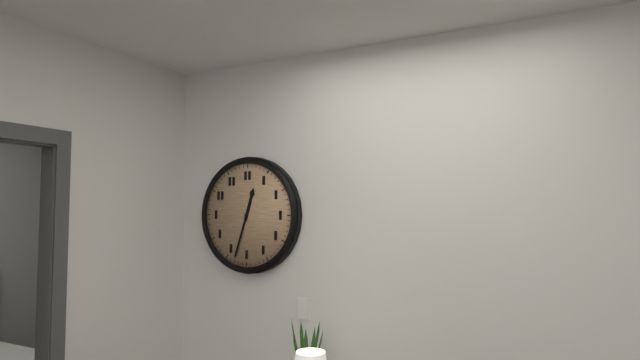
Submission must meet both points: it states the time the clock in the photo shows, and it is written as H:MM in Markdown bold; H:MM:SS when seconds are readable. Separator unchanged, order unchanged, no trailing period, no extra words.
**12:33**
